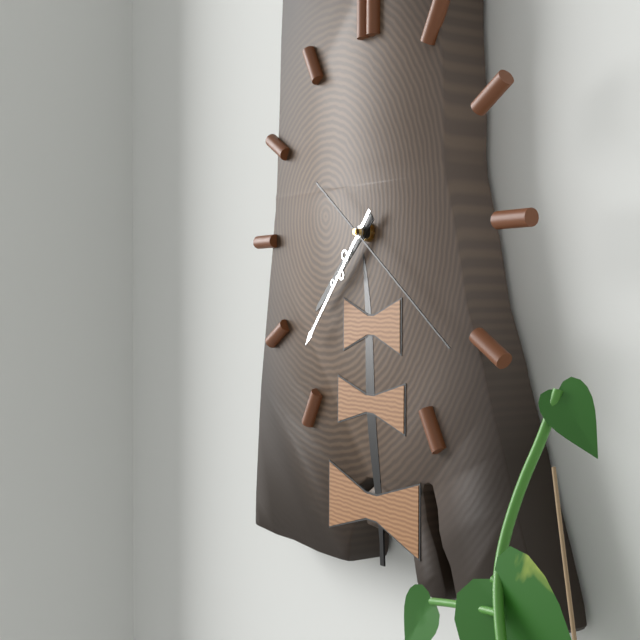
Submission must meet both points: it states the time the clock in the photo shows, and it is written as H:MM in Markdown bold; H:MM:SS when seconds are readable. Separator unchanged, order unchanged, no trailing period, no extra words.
**7:37:21**
